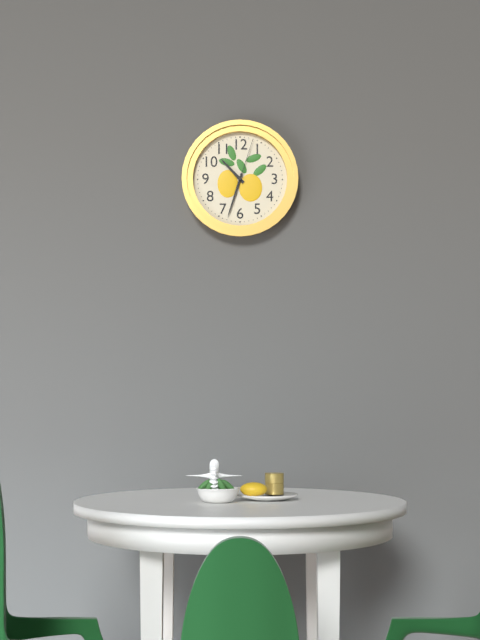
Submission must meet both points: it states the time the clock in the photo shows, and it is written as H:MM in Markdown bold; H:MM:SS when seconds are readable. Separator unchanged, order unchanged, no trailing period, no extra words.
**10:33:03**
